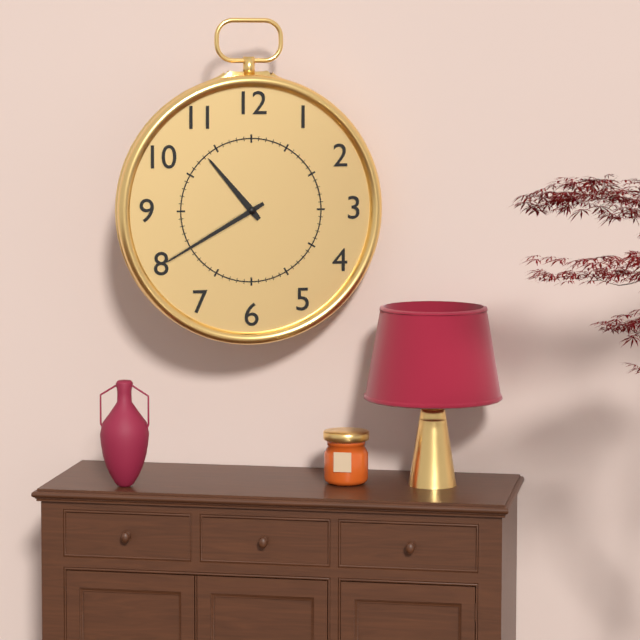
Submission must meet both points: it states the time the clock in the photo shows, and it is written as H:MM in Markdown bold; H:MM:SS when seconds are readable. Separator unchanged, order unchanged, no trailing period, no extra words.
**10:40**
